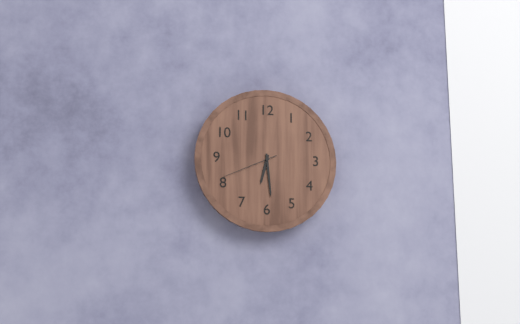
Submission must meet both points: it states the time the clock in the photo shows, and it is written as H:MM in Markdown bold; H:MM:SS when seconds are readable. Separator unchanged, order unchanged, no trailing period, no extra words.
**6:29:41**
